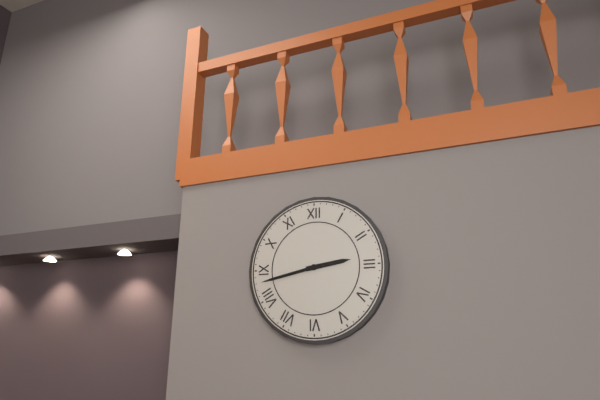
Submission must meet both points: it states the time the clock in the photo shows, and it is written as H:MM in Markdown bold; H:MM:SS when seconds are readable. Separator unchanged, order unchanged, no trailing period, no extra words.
**2:43**
